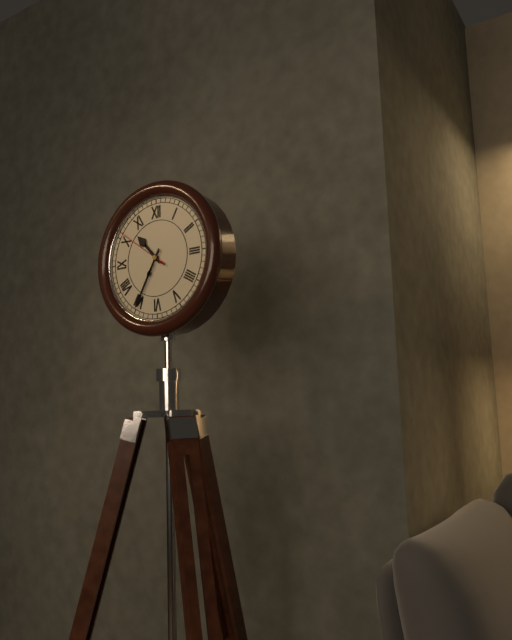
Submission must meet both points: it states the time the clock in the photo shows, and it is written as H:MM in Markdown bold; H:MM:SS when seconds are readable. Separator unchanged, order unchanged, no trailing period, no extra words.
**10:35:51**
